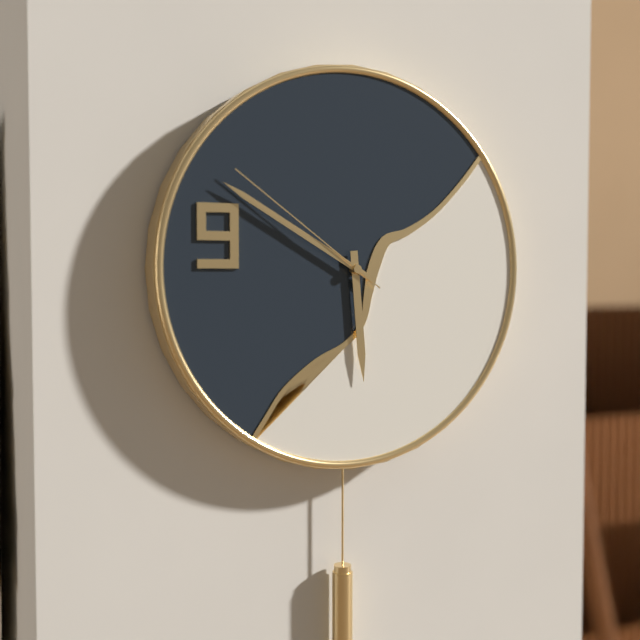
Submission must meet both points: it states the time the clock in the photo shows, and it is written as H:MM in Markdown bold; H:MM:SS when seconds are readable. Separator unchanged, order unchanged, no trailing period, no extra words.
**5:50:51**
